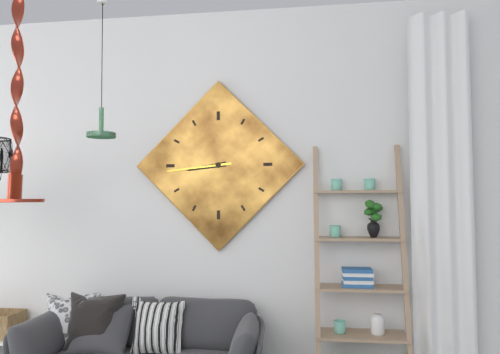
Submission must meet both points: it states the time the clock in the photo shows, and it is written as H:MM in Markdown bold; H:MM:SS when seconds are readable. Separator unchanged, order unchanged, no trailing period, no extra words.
**8:44**
